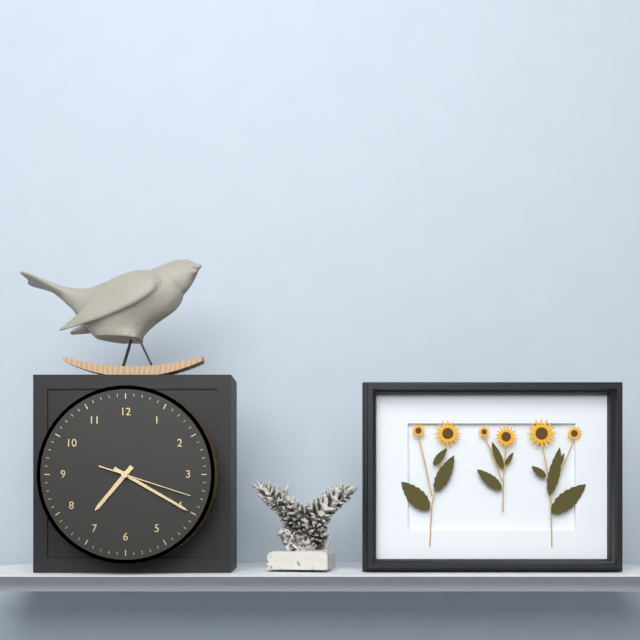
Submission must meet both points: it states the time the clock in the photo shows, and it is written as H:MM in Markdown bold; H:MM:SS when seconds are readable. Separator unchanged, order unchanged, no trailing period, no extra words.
**7:20:18**
